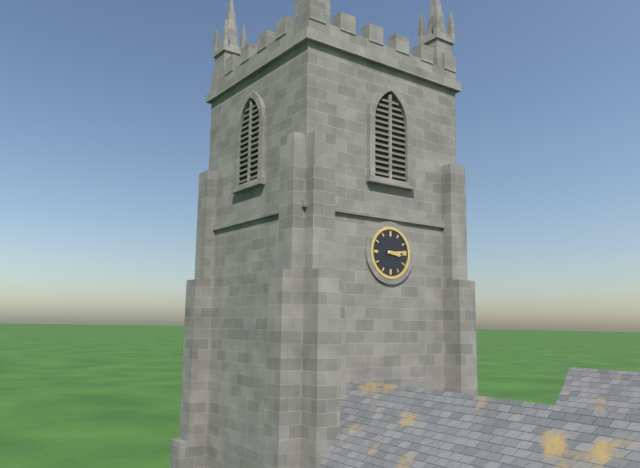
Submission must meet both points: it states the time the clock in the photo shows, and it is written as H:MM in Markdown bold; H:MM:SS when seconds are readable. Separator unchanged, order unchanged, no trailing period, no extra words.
**3:14**
